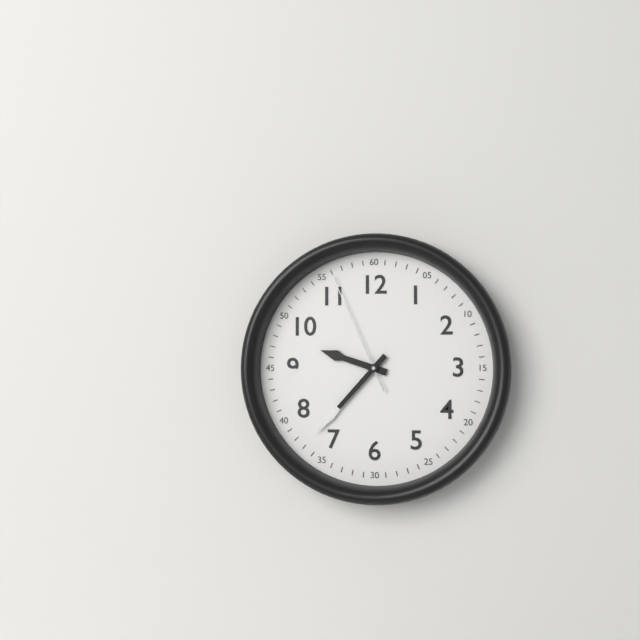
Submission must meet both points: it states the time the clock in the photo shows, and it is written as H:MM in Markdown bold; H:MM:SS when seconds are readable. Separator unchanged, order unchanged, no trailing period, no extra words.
**9:37:56**
